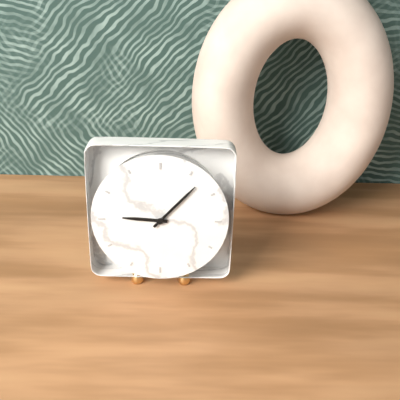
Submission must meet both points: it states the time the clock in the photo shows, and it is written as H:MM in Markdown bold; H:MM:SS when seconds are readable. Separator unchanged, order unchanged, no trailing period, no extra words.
**9:07**
